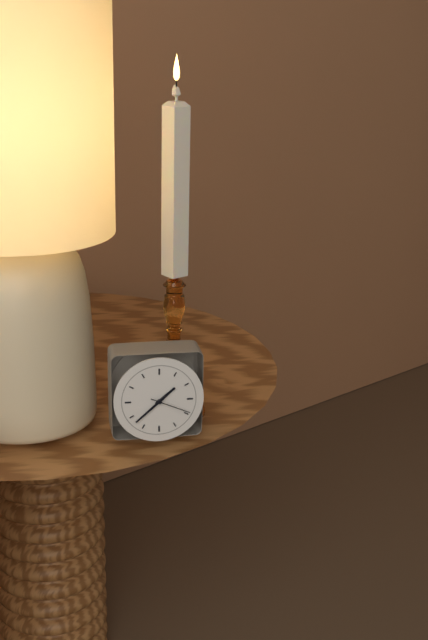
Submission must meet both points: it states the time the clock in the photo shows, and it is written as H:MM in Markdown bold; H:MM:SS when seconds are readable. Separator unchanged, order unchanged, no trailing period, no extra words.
**1:38**
